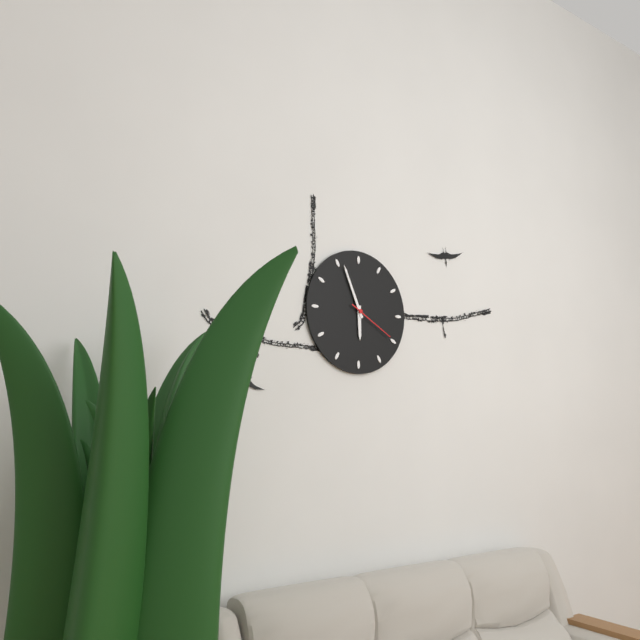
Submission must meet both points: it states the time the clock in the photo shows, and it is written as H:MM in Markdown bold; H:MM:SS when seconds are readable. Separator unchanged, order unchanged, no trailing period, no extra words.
**5:56:20**
